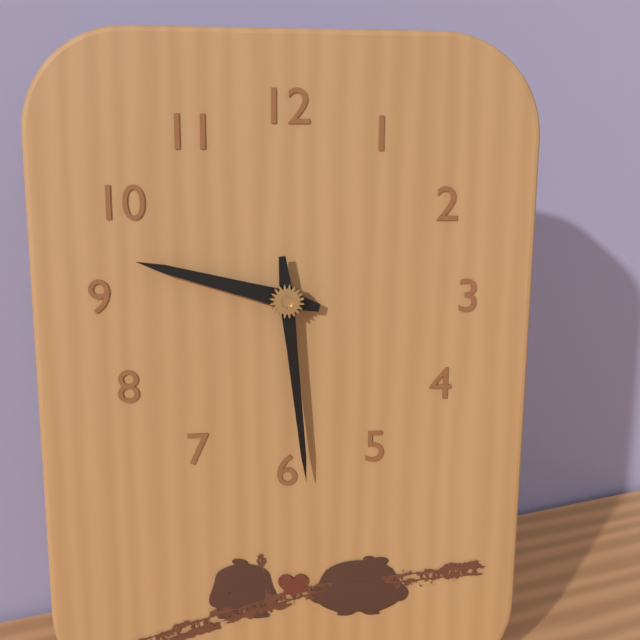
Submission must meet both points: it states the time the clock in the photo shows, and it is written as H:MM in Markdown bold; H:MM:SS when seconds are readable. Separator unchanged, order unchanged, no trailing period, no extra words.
**9:29**
